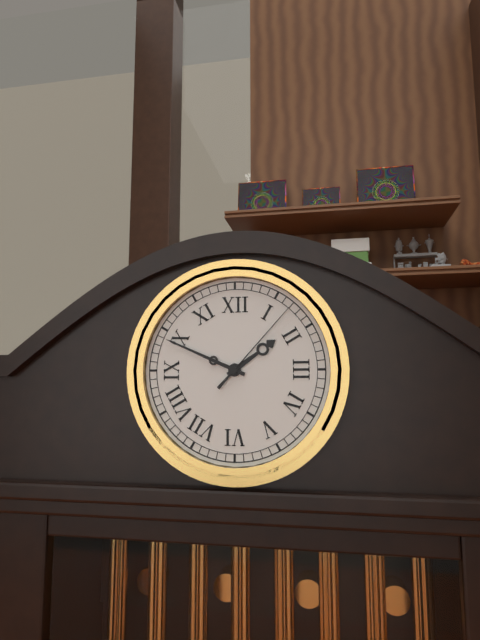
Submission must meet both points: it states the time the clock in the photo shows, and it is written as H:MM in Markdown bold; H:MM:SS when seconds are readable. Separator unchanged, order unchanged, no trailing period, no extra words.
**1:49:07**
